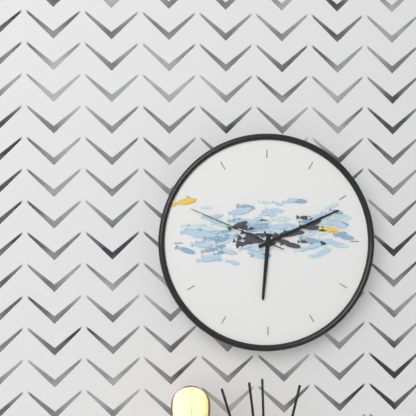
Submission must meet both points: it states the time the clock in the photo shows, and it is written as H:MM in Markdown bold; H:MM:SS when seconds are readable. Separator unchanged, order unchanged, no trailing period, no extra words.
**6:11:49**
